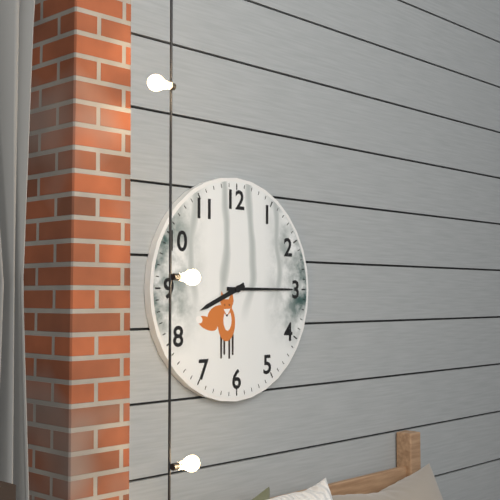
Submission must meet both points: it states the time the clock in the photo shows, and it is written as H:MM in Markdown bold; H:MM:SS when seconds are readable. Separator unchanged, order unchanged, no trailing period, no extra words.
**8:15**
